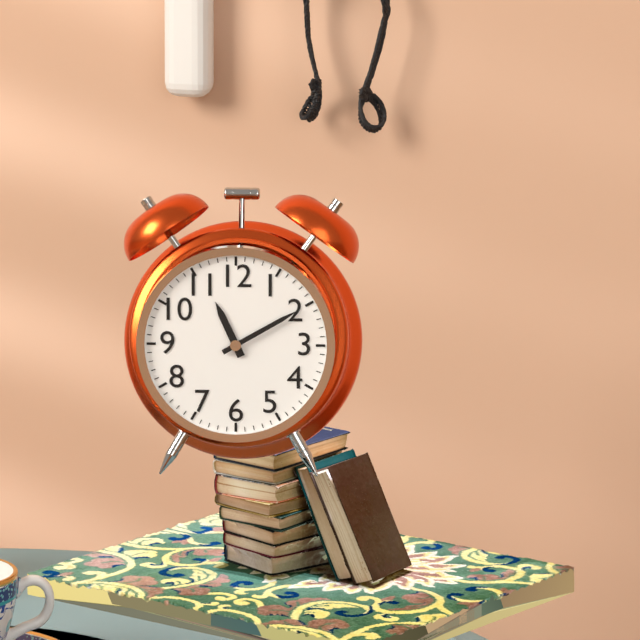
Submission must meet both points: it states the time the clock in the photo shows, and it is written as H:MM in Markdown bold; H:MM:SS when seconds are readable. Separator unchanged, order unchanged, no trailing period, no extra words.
**11:10**
